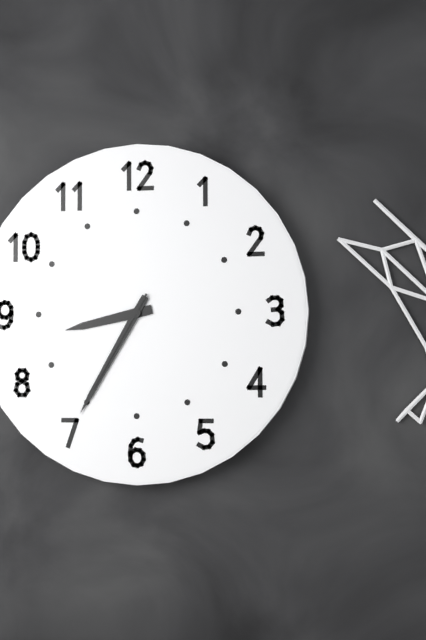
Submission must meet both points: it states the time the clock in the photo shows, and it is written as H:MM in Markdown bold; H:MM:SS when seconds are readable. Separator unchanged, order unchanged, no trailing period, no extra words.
**8:35:35**
